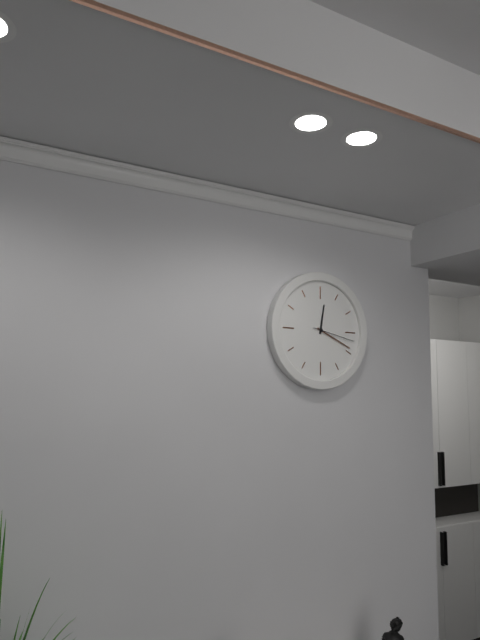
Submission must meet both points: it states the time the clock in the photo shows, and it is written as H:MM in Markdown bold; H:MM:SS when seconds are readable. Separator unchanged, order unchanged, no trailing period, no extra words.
**12:19**
